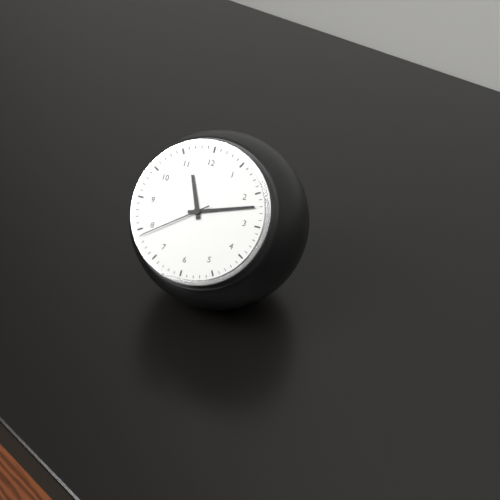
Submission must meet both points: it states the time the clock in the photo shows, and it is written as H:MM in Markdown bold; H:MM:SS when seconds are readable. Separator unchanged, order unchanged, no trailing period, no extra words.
**11:12:39**
